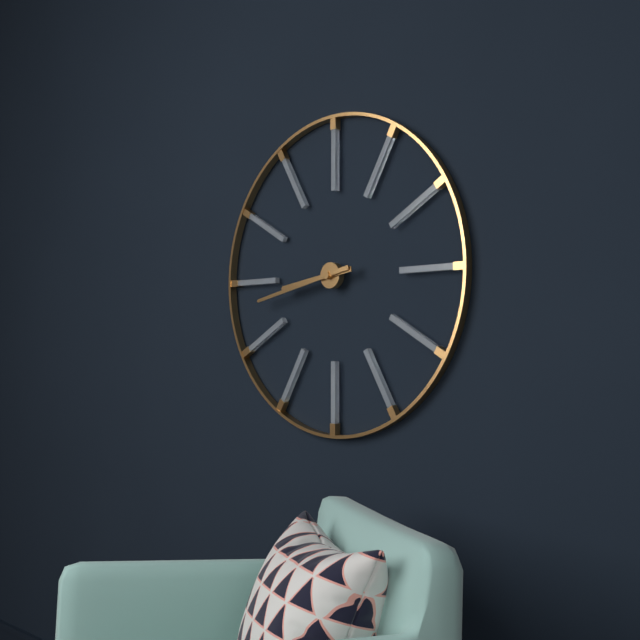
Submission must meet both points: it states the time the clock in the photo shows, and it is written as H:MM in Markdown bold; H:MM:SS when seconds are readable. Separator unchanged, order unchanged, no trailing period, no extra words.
**8:43**
